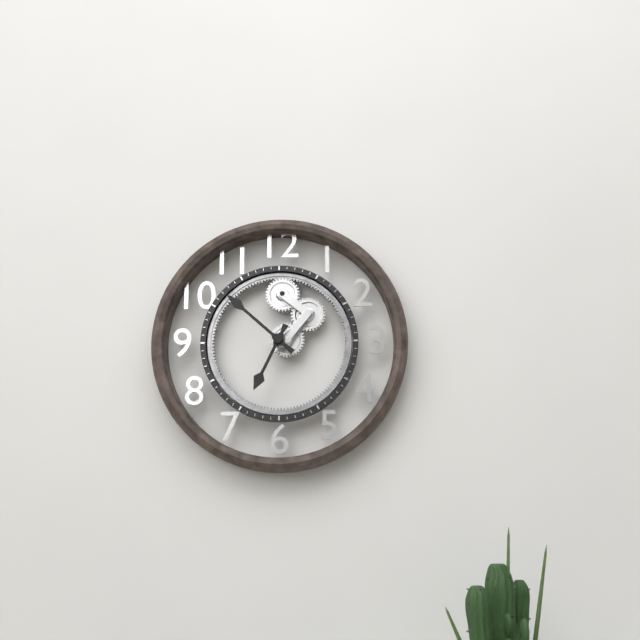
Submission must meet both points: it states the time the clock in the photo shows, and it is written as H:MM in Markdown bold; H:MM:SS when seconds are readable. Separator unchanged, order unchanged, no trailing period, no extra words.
**6:52**
